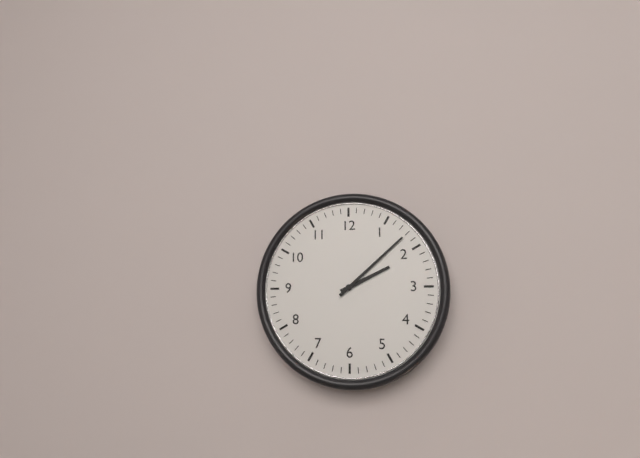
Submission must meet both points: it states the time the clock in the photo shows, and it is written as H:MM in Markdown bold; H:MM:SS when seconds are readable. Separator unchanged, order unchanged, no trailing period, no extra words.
**2:08**
